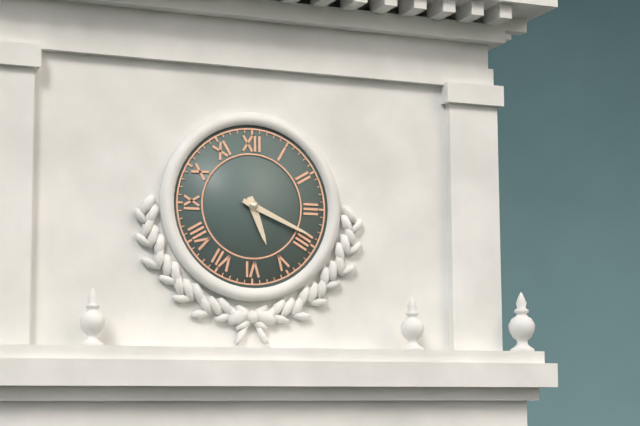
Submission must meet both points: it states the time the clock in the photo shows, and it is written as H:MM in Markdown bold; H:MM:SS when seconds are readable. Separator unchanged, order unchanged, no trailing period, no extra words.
**5:19**
